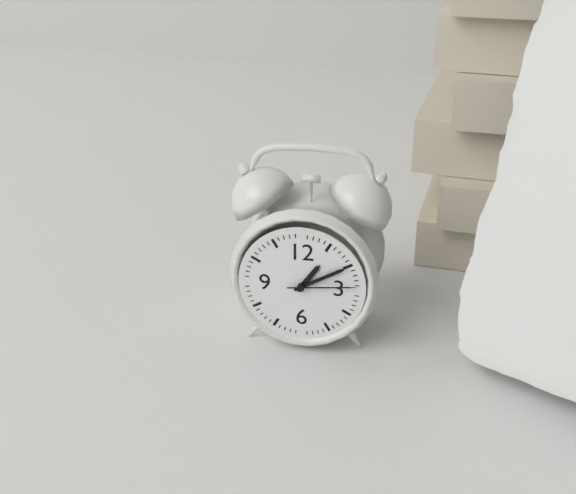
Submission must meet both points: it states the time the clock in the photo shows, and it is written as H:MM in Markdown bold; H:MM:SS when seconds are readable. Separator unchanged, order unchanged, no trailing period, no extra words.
**1:10:14**
